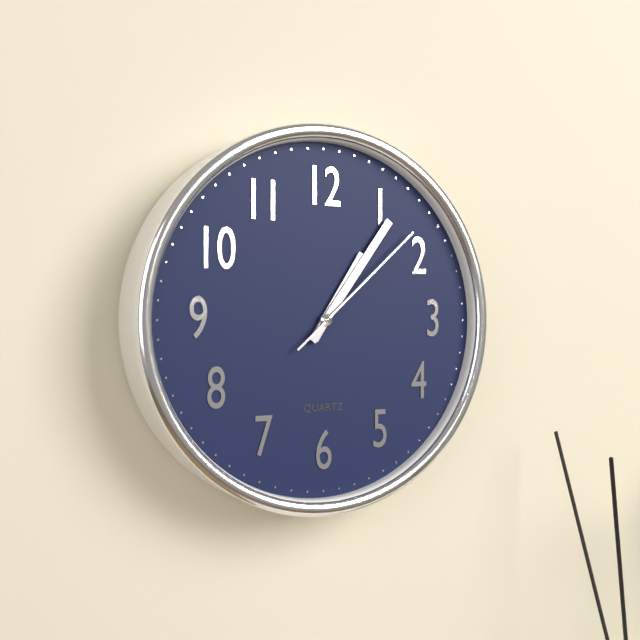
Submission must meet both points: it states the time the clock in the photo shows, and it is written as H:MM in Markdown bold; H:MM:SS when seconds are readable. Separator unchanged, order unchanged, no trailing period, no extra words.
**1:06:08**
